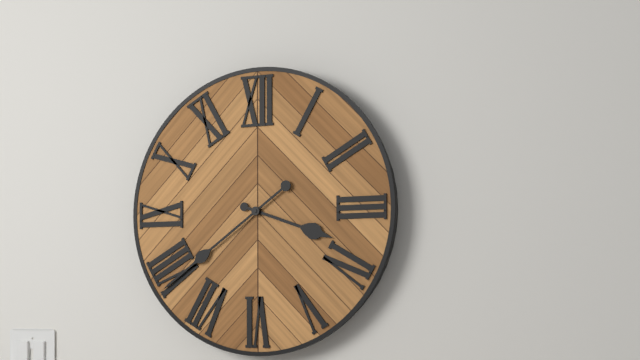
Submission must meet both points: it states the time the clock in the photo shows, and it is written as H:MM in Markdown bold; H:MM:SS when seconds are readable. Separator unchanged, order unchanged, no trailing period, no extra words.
**3:39**
